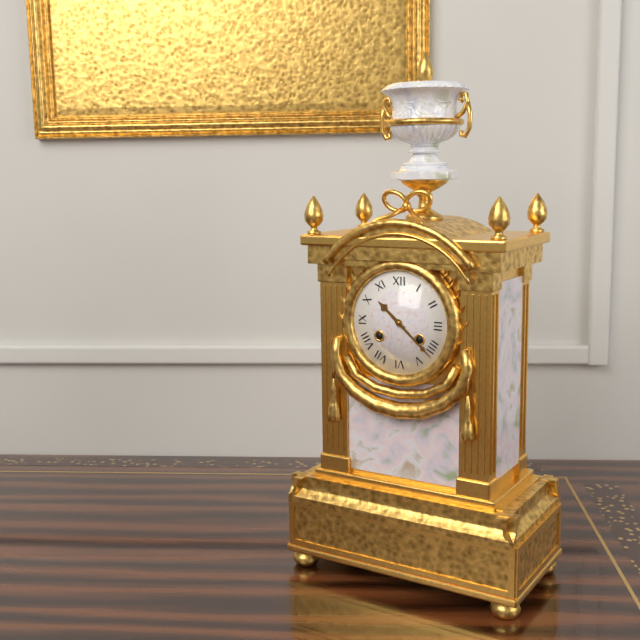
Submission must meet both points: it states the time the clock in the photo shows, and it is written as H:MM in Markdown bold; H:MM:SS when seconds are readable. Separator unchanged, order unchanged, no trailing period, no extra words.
**10:22**
